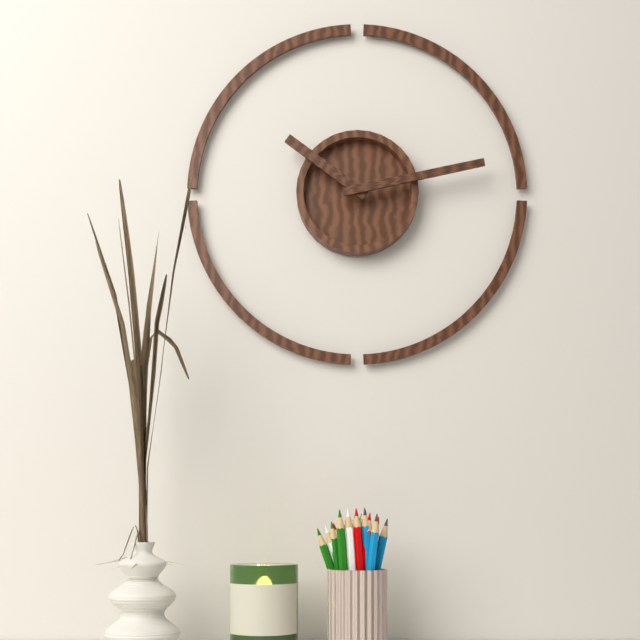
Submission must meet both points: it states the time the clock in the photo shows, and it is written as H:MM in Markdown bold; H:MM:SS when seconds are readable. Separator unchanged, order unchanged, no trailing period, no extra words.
**10:13**
